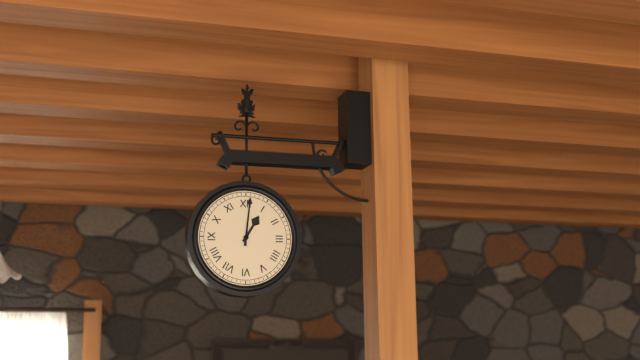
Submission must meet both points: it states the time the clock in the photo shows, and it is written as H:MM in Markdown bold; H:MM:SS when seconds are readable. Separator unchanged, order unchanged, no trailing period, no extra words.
**1:01**
